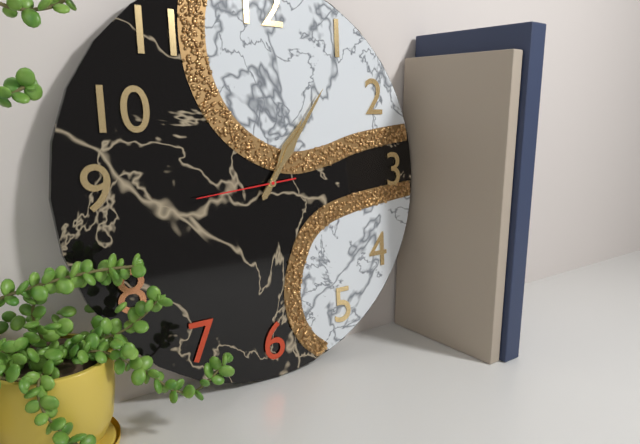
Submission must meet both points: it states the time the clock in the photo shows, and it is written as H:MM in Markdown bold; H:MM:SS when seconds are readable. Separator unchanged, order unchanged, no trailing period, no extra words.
**1:06:44**
